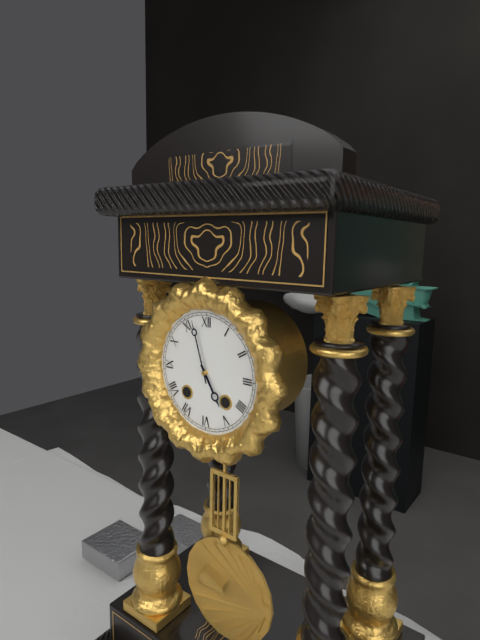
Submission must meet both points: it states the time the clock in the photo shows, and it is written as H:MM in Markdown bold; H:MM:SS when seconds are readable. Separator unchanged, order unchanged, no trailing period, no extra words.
**4:57**
